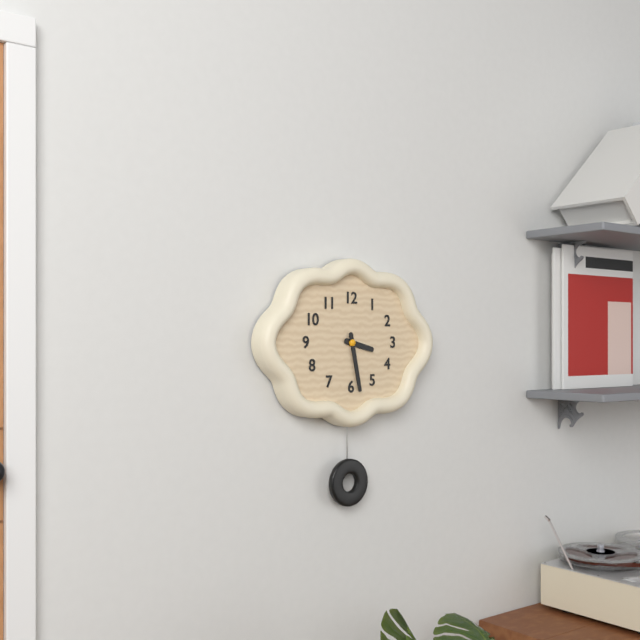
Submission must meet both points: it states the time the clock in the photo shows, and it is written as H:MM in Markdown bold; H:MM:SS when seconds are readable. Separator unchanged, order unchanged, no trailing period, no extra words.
**3:28**
